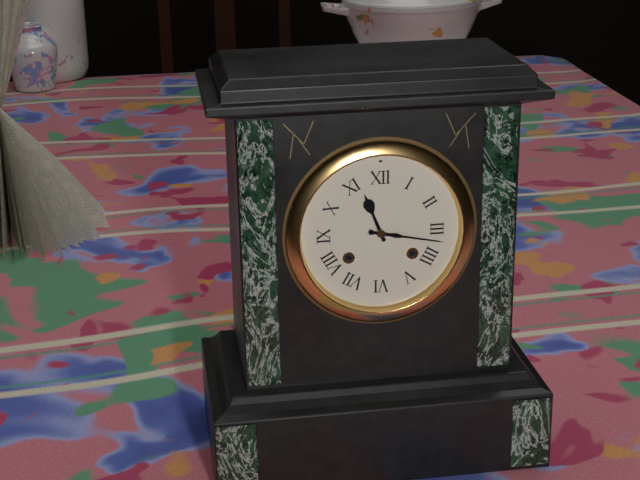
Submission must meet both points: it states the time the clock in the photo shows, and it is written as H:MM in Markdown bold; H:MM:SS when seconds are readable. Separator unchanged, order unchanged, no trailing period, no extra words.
**11:17**
